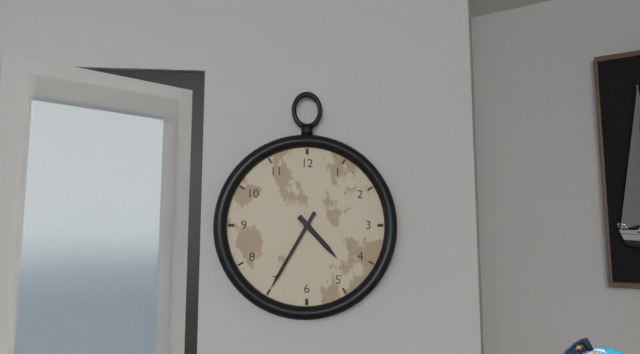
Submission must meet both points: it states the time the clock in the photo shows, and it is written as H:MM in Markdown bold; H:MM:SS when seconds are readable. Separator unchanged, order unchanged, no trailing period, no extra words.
**4:35**
